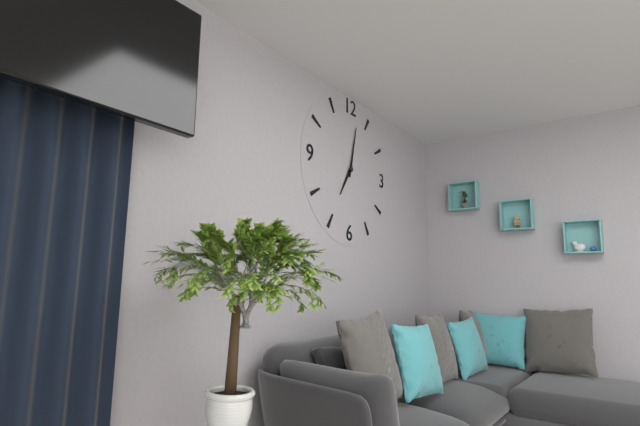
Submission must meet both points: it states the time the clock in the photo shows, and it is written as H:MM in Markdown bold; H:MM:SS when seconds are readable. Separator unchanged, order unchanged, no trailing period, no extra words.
**7:02**
